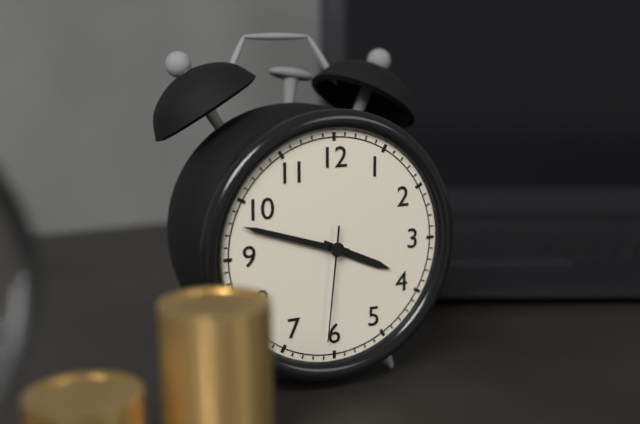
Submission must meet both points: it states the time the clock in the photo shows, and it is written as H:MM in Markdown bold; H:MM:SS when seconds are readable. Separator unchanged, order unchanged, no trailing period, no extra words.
**3:48:31**
